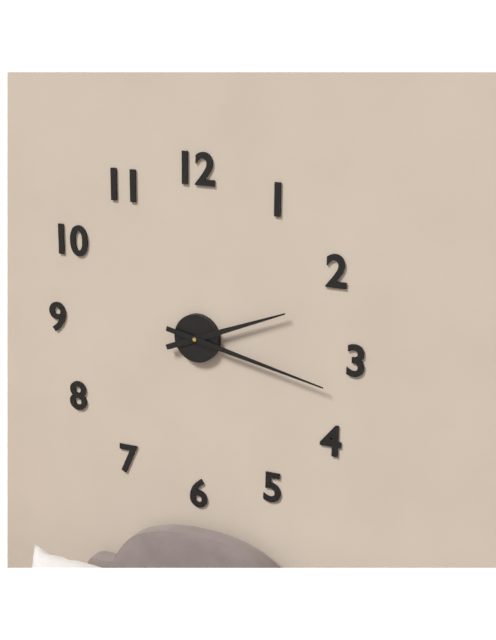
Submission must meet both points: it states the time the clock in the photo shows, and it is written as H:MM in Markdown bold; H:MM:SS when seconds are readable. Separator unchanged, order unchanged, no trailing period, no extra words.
**2:17**
